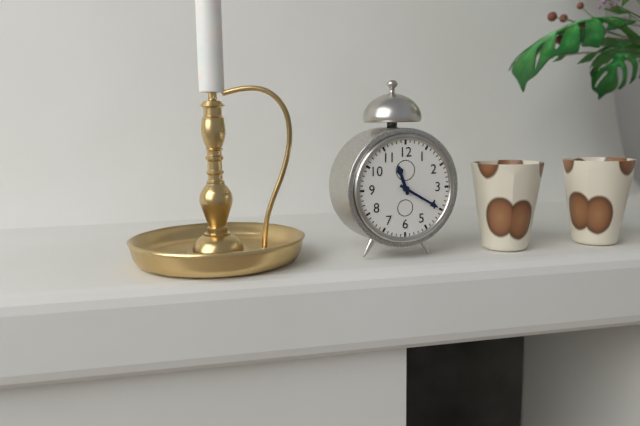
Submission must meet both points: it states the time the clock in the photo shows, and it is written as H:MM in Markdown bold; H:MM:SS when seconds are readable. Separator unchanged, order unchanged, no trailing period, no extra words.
**11:20**
